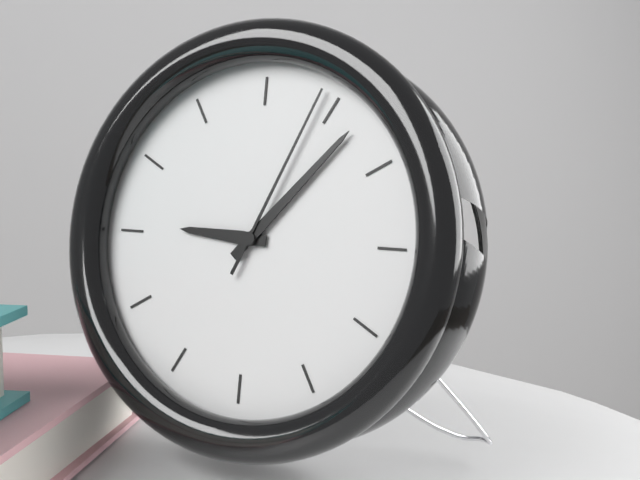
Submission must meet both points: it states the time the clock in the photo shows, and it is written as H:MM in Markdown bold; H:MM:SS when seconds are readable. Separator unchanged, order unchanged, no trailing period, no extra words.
**9:07:04**
